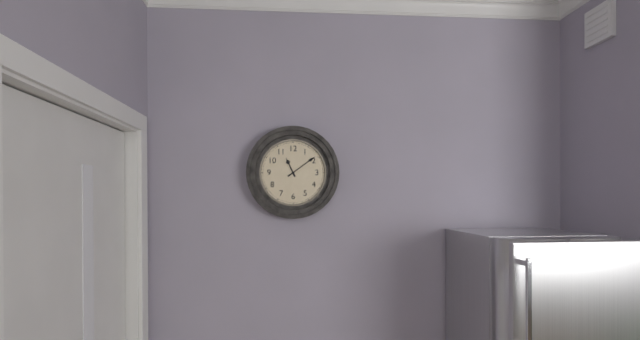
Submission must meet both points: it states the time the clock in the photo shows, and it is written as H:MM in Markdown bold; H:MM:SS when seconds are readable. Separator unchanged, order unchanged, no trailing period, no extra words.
**11:09**
